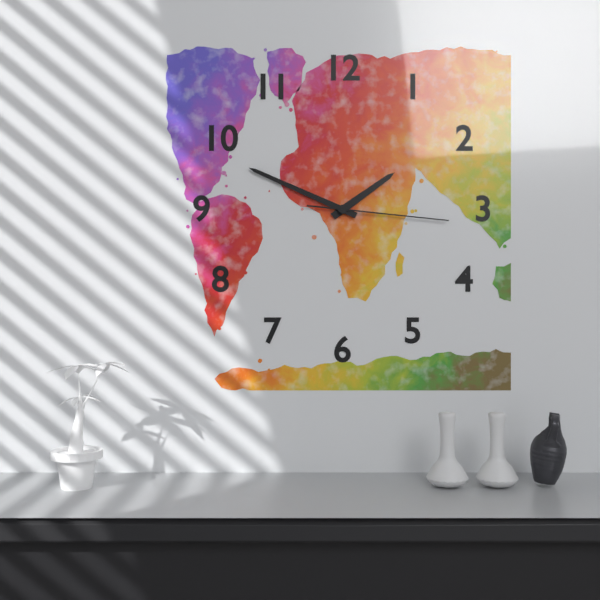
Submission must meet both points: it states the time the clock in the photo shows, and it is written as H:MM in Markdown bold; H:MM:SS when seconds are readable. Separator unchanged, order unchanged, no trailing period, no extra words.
**1:49:16**
